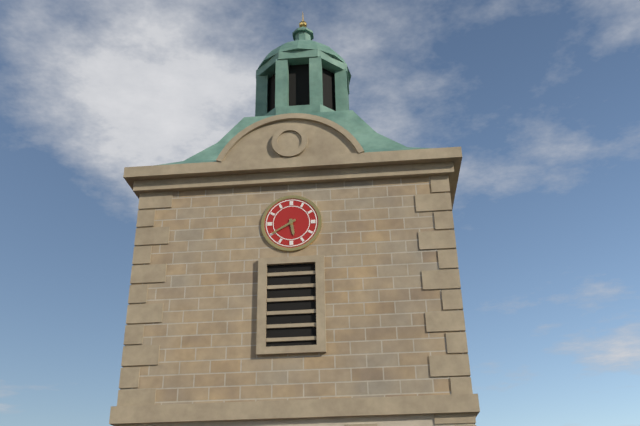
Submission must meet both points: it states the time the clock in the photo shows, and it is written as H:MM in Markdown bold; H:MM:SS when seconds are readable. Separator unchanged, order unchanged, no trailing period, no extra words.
**5:40**
